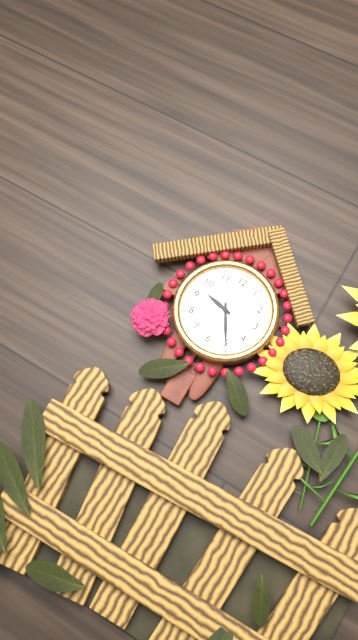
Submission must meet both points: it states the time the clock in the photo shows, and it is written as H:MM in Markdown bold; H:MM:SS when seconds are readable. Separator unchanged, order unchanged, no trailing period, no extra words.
**9:25**
